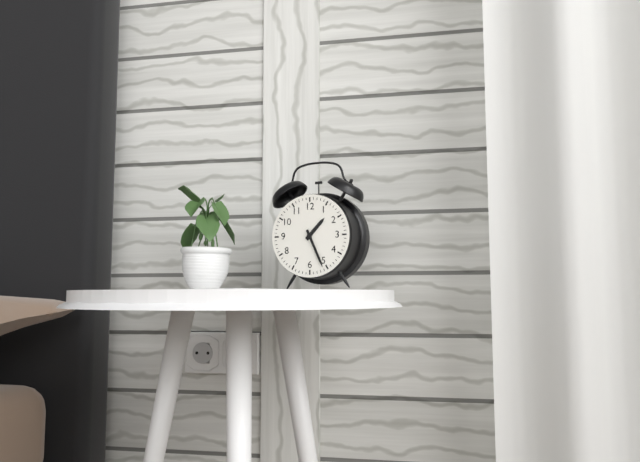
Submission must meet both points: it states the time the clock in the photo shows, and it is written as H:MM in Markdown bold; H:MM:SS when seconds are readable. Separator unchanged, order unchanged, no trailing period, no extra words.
**1:26**
